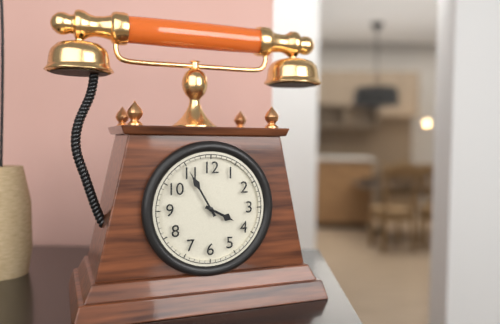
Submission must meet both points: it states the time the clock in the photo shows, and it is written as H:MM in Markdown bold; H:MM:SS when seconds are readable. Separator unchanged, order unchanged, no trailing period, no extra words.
**3:55**
